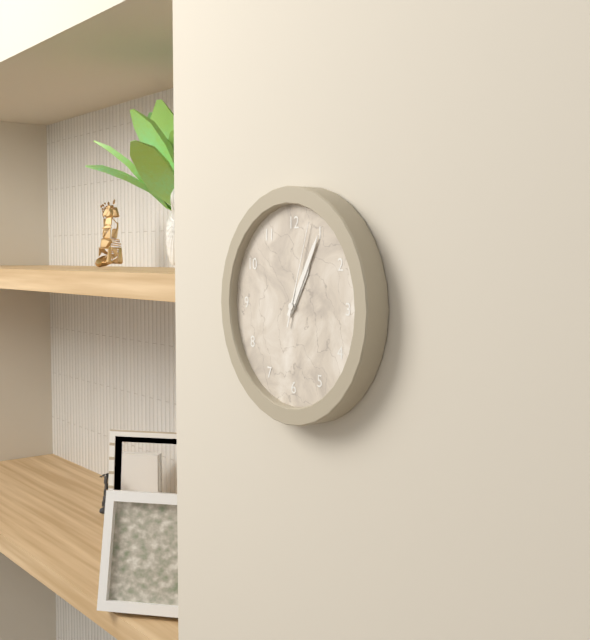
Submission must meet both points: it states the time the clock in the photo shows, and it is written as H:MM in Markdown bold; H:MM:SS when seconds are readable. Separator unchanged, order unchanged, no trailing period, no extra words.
**1:05:03**
